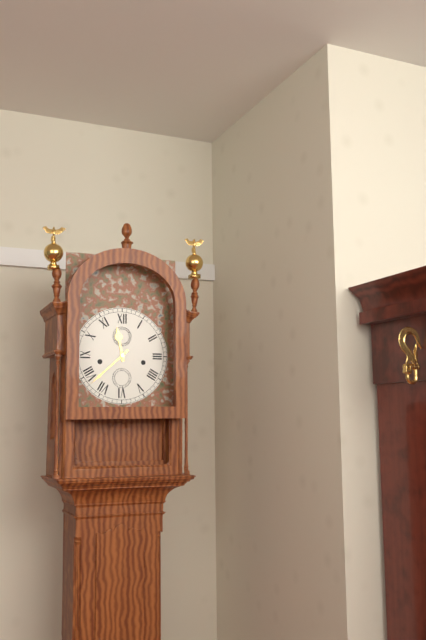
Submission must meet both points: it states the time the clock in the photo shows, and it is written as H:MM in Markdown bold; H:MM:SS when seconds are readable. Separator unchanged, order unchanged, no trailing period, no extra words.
**11:38**
